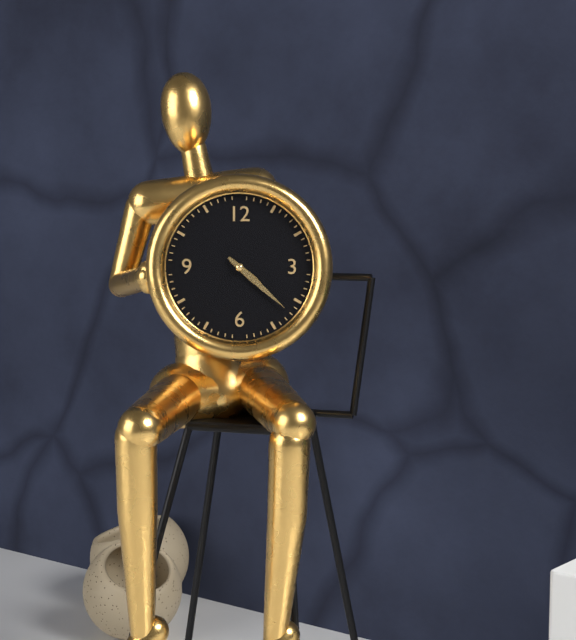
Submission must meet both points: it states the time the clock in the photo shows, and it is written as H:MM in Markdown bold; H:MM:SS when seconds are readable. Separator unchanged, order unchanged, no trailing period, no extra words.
**4:22**
